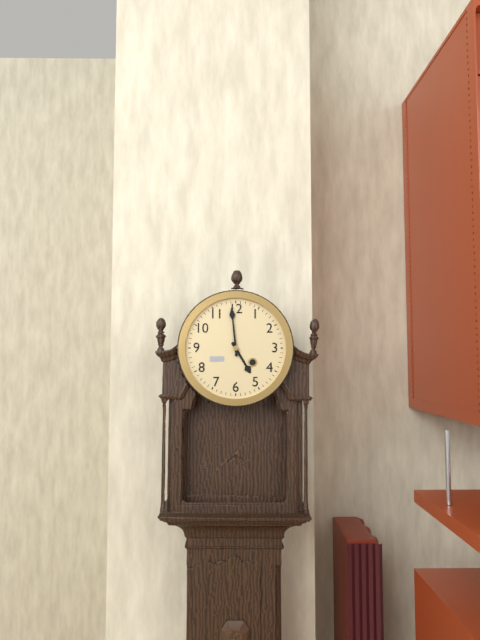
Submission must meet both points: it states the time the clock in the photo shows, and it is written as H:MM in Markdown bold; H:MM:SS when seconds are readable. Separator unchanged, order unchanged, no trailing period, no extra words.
**4:59**
